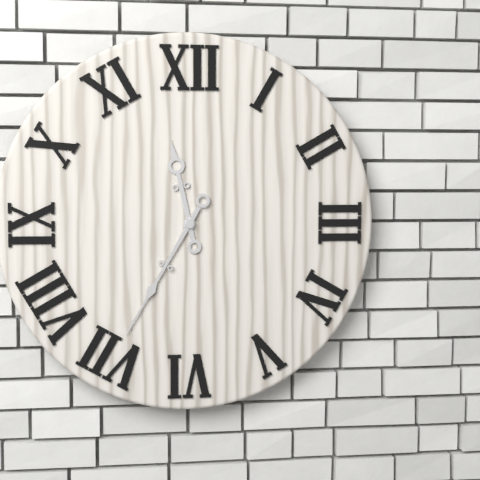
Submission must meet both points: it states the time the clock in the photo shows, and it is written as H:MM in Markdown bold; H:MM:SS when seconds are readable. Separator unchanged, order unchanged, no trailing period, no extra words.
**11:35**
